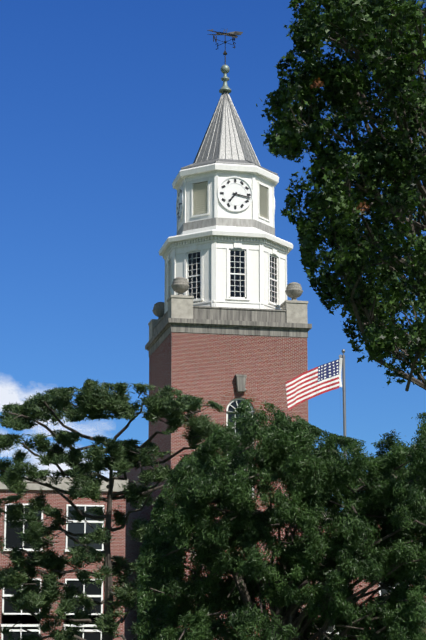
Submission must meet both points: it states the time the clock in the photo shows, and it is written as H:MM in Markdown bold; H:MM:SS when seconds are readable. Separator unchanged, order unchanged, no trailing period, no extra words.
**7:17**
